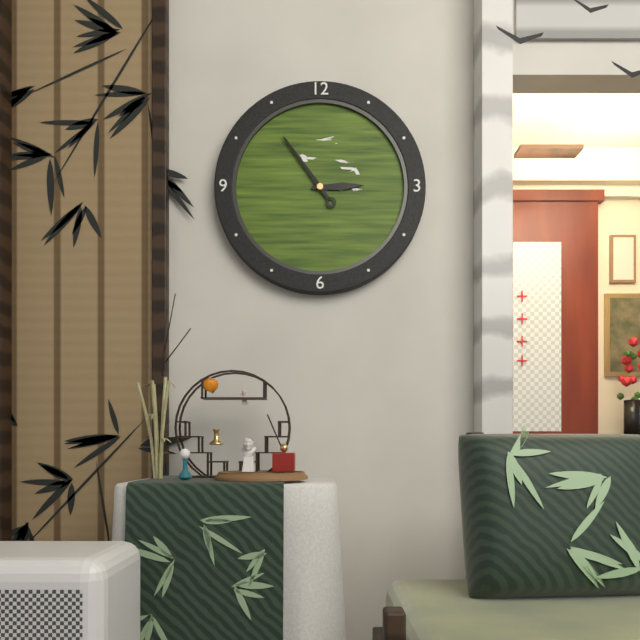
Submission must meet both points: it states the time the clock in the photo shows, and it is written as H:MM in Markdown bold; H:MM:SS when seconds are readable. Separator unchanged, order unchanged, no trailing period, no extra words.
**2:54**
